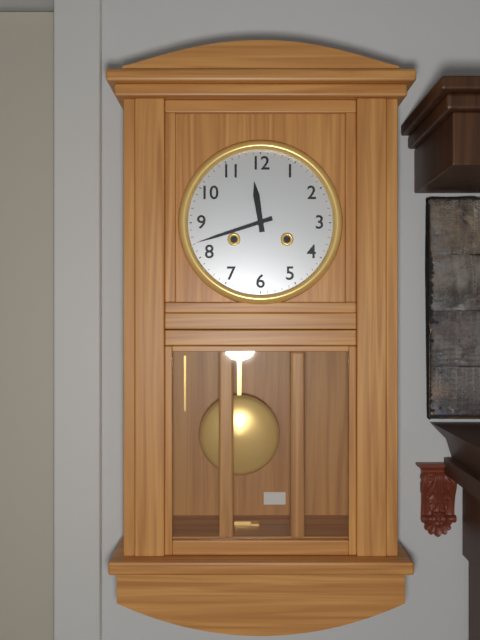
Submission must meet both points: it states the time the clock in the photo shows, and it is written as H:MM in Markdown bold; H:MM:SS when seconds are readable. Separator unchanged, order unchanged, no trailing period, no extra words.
**11:42**
